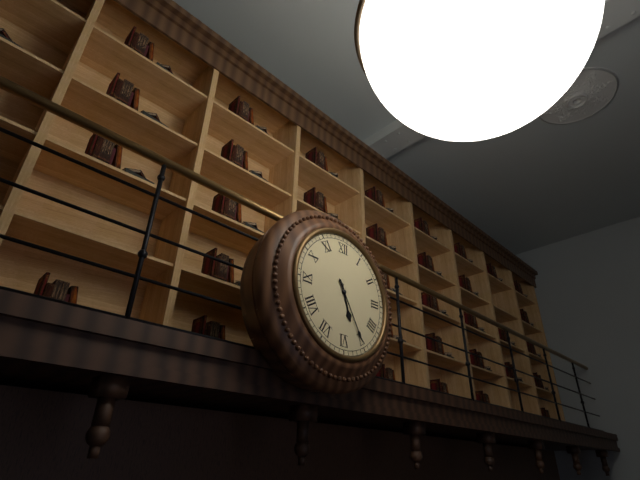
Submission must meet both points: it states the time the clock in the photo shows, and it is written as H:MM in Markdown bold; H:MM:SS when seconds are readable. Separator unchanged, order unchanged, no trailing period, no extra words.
**5:25**
